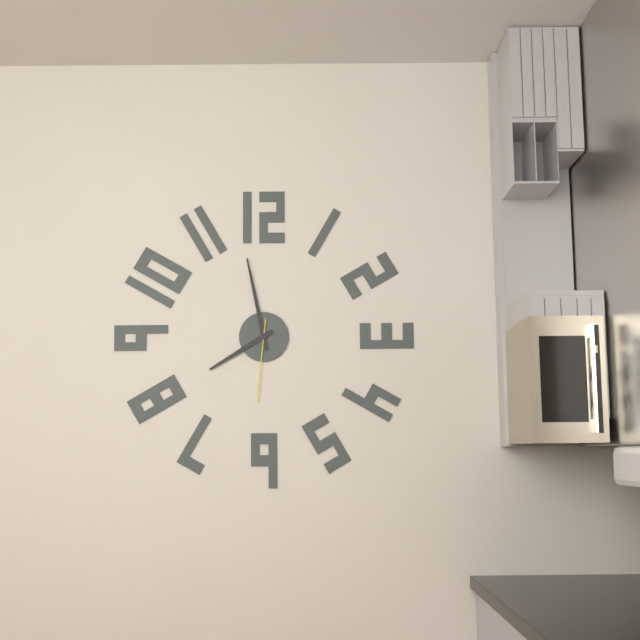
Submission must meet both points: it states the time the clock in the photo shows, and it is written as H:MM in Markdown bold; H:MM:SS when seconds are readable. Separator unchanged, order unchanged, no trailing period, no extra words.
**7:58:31**
